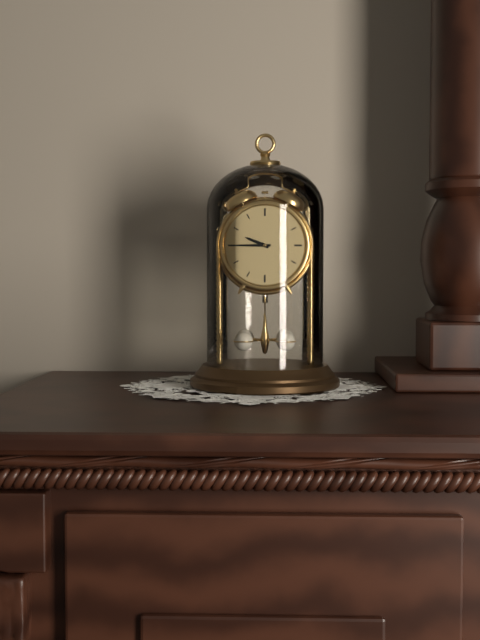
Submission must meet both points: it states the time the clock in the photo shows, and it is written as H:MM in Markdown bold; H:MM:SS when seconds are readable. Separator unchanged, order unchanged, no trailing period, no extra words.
**9:45**
